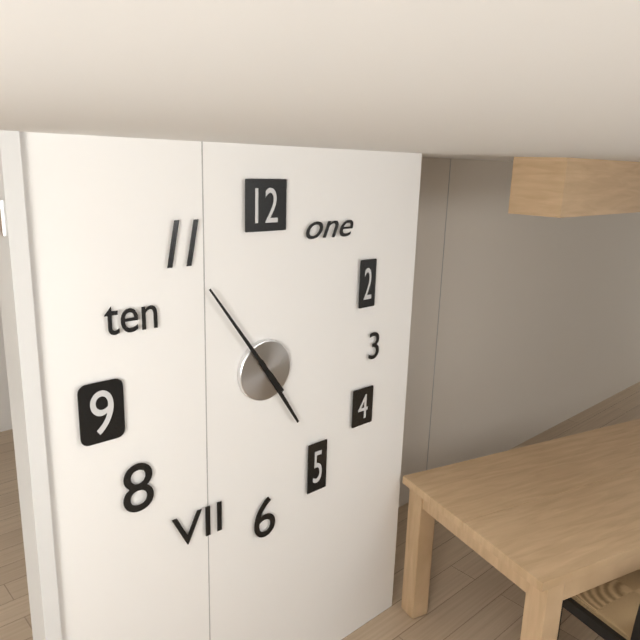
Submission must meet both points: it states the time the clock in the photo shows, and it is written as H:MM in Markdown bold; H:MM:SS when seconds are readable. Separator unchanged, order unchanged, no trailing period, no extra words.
**4:54**
